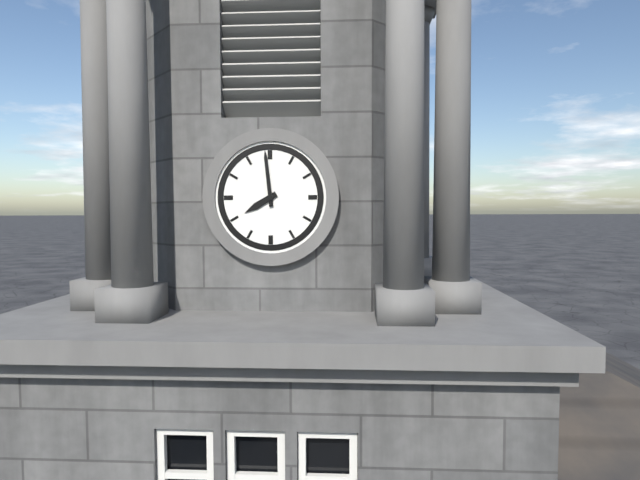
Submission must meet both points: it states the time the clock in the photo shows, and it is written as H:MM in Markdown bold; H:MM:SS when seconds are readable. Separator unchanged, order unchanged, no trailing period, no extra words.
**7:59**
